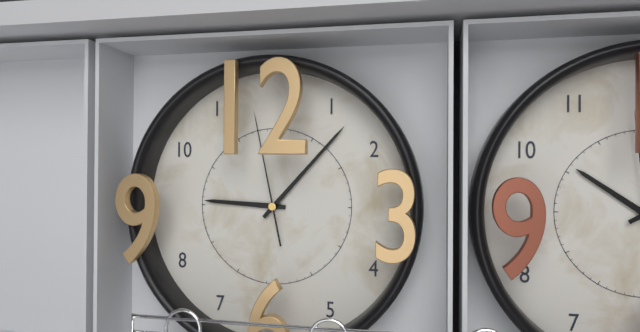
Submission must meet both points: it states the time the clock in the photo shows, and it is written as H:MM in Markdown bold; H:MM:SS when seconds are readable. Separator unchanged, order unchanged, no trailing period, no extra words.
**9:07:58**
